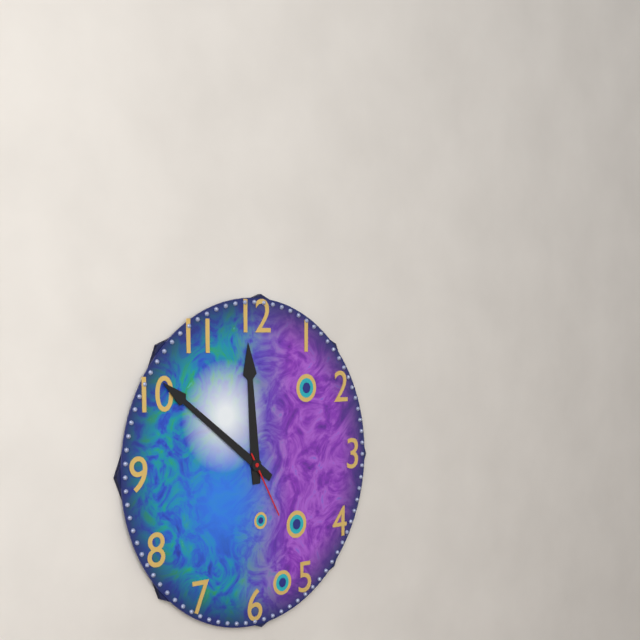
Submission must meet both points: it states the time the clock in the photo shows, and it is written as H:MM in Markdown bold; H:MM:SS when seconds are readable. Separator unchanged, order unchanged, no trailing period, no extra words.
**11:51:25**
